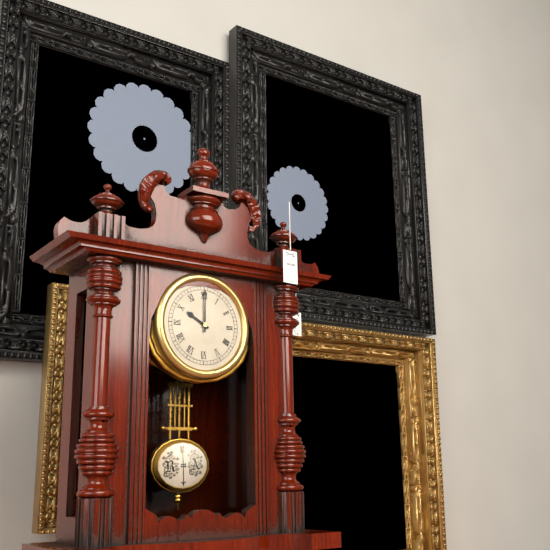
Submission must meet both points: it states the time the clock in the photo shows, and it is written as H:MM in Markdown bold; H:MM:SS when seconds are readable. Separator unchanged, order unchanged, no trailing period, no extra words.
**10:00**
